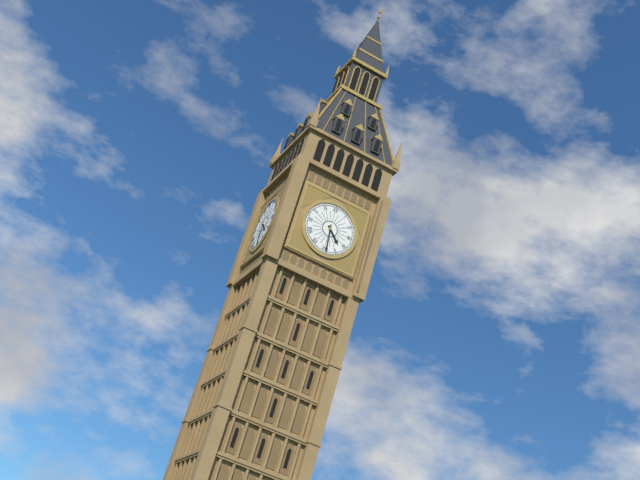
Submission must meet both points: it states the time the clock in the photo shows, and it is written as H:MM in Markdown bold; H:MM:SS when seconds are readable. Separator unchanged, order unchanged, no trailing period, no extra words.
**4:29**
